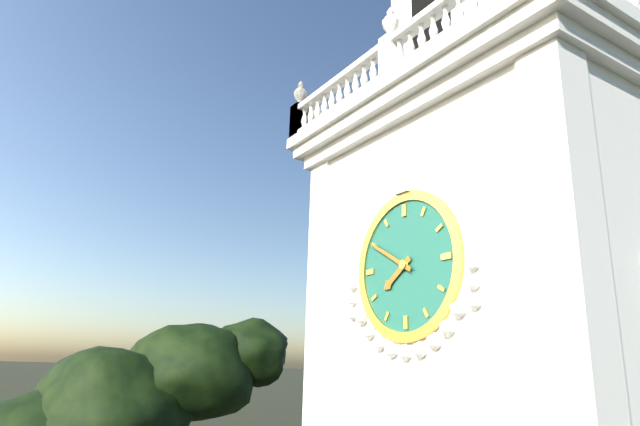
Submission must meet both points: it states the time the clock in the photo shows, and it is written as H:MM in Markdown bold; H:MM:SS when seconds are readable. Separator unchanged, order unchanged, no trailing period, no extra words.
**7:50**
